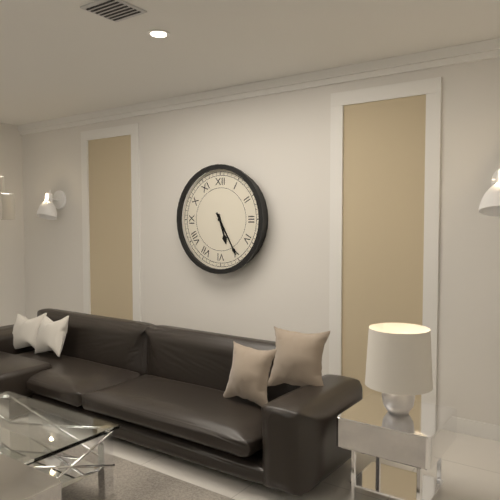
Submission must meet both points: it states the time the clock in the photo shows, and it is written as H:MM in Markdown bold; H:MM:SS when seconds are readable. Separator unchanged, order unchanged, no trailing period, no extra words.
**5:25**
